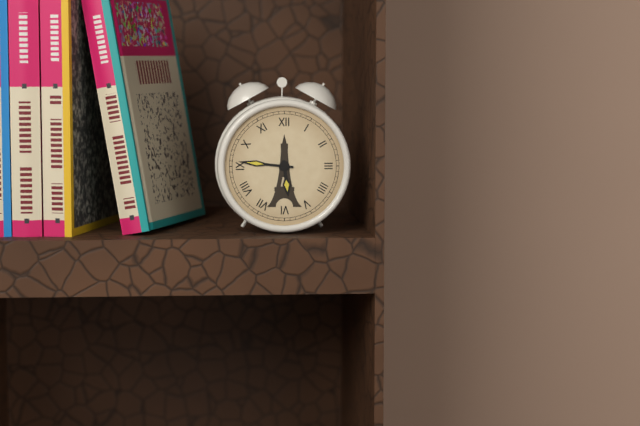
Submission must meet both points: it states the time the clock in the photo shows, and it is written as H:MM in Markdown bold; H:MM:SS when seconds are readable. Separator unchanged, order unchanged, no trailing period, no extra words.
**5:46**
